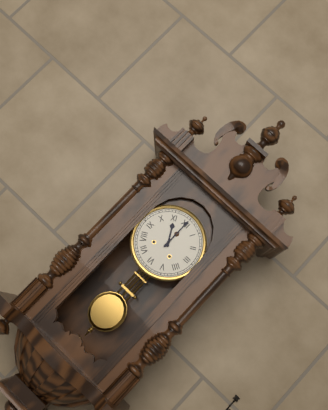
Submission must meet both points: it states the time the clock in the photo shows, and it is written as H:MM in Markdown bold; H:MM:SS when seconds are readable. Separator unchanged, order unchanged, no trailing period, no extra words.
**11:00**
